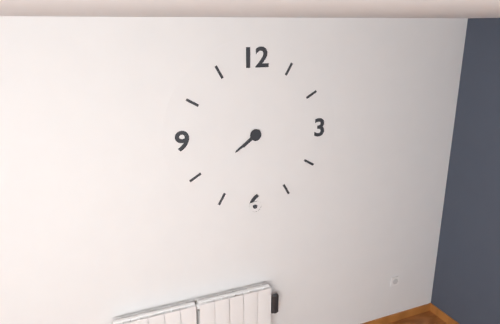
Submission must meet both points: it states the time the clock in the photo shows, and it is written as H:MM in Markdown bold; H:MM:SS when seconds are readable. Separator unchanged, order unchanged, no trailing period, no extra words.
**7:39**
